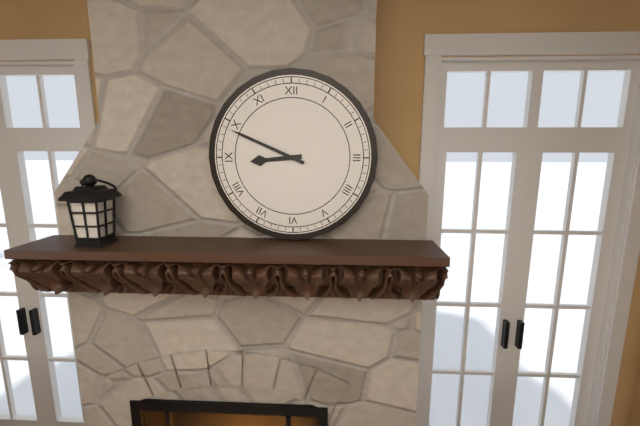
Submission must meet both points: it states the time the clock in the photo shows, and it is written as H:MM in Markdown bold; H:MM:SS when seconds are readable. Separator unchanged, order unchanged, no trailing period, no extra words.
**8:49**
